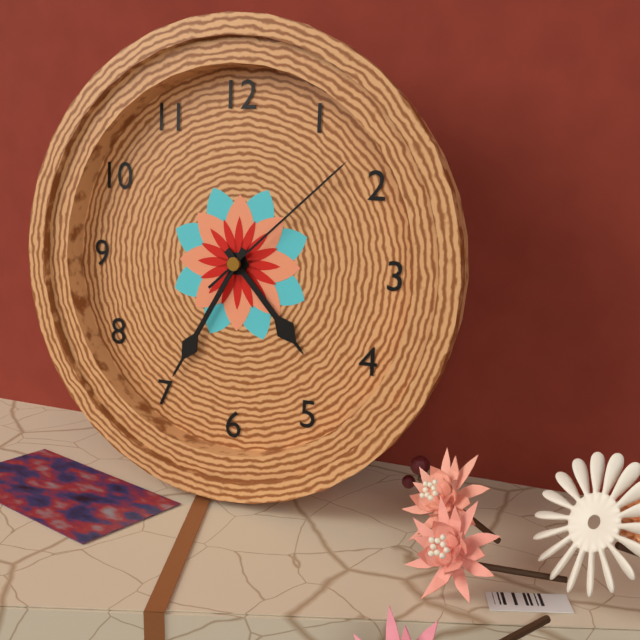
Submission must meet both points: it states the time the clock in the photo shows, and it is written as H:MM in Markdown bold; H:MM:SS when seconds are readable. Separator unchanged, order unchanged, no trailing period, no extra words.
**4:35:08**
